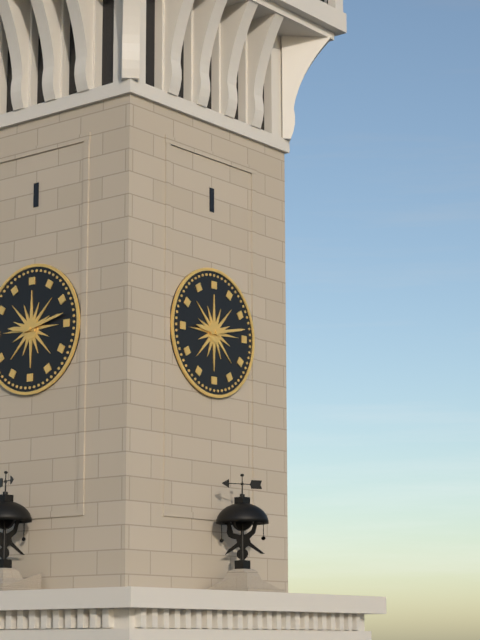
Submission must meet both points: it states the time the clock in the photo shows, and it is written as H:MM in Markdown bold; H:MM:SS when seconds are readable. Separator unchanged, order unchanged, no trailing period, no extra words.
**9:13**
